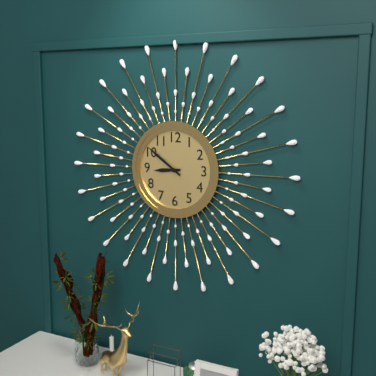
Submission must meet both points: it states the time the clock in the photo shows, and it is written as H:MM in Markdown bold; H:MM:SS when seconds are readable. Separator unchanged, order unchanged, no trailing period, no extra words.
**8:51**
